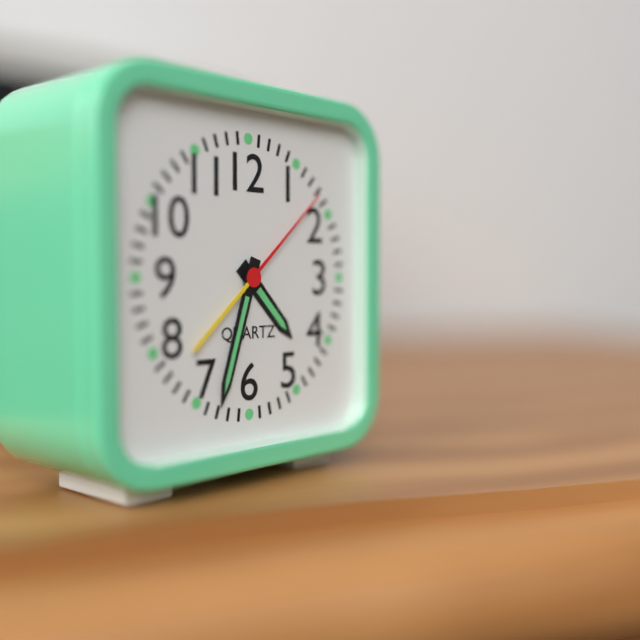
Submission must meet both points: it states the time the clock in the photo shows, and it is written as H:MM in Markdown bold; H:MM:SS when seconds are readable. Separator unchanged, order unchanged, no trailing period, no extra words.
**4:33:08**
